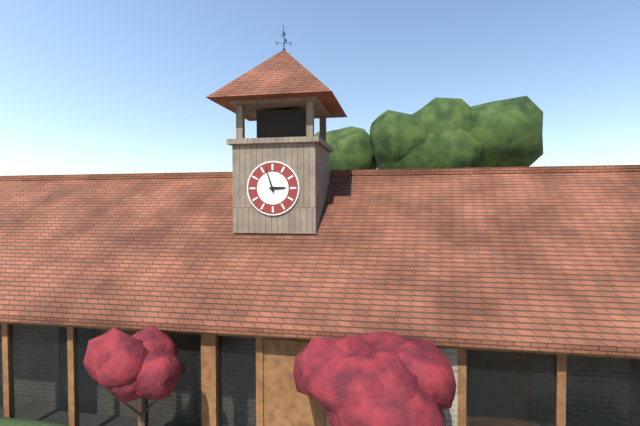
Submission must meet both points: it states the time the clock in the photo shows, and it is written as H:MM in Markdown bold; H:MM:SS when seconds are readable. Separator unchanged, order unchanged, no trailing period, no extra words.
**2:57**
